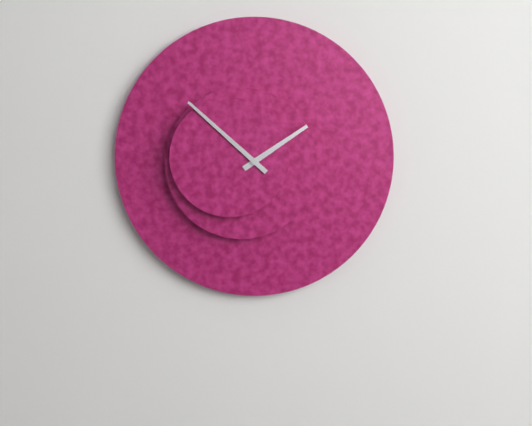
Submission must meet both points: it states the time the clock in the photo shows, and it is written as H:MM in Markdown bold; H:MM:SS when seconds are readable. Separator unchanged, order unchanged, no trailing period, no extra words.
**1:52**
